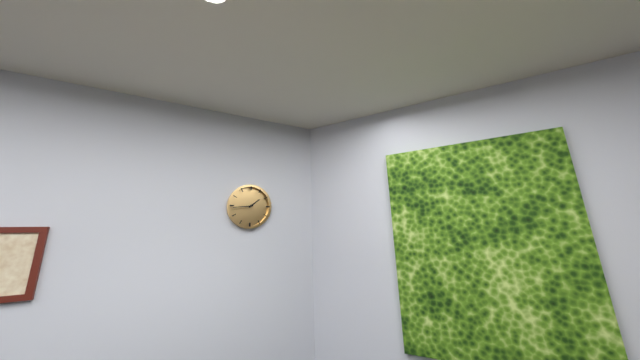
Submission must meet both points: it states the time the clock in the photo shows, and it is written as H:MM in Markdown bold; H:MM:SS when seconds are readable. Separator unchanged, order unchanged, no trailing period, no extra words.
**1:44**
